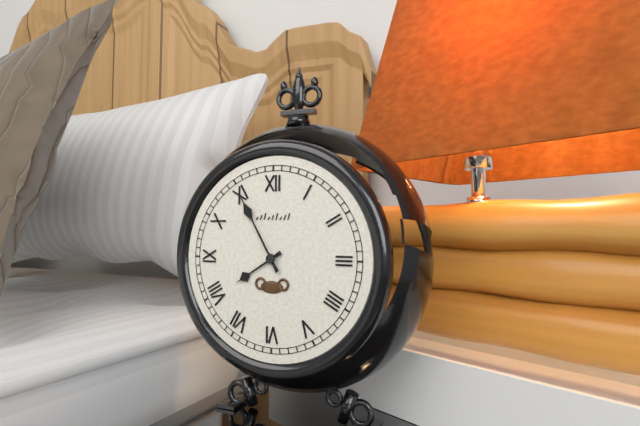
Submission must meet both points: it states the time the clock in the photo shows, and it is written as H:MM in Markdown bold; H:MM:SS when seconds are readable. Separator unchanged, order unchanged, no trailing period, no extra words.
**7:55**
